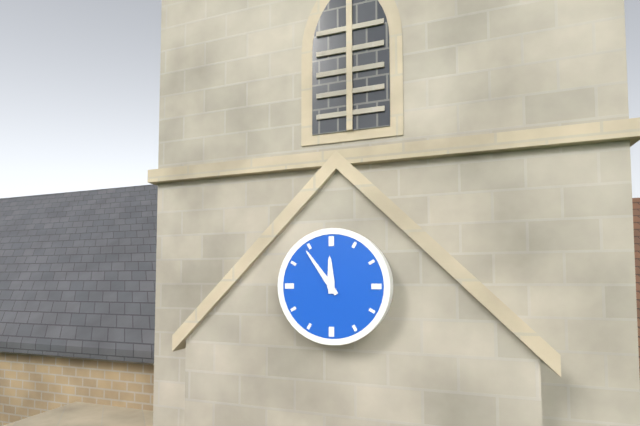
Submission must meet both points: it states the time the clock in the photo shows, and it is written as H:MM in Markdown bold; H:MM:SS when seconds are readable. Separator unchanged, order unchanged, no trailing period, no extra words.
**11:54**
